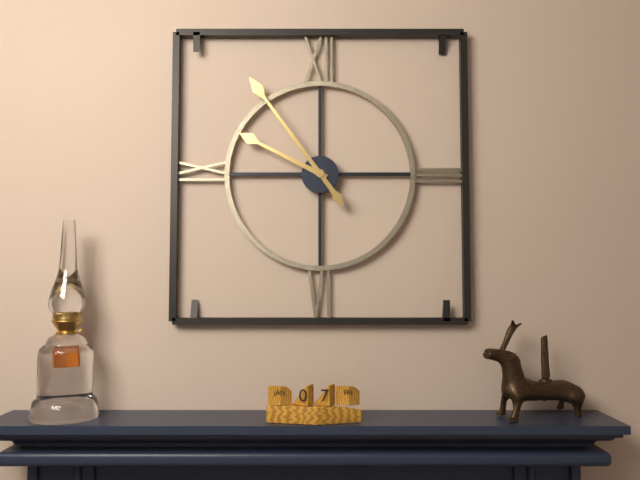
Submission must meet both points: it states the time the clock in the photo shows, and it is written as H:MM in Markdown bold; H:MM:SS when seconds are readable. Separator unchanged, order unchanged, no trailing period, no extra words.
**9:54**
